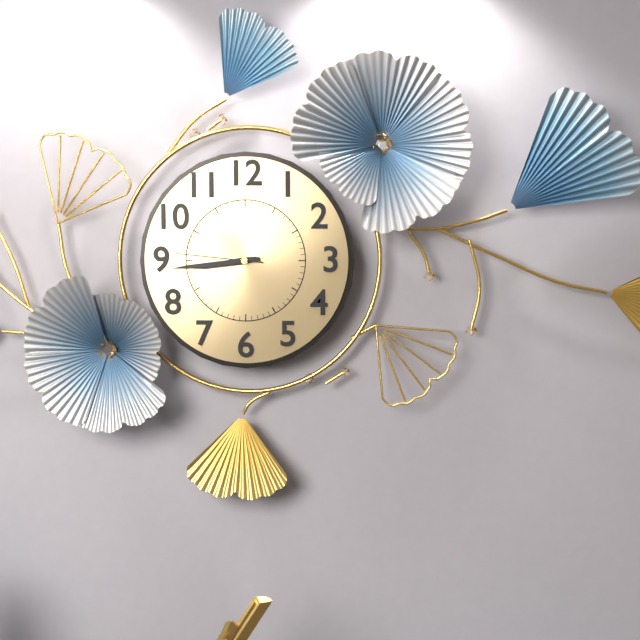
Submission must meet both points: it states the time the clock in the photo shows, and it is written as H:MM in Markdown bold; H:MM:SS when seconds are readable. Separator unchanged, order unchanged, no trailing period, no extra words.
**8:44:46**
